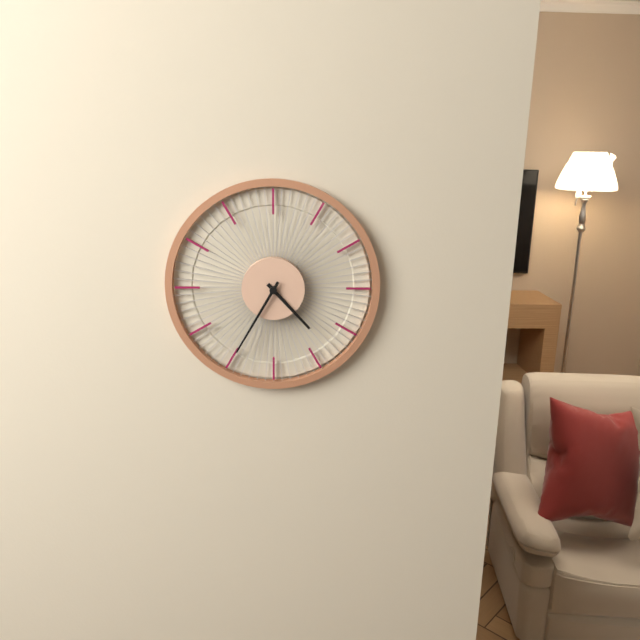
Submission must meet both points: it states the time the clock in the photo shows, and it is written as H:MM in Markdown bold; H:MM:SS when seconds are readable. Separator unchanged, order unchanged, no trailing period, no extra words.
**4:35**
